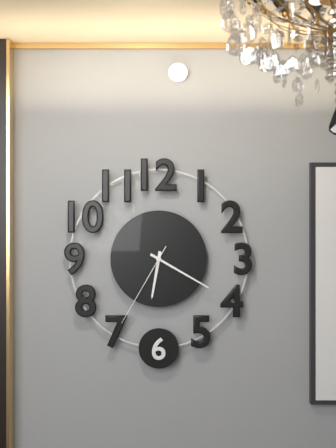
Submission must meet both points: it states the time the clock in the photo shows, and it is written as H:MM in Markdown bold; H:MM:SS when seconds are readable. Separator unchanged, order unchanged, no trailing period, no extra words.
**6:20:35**
